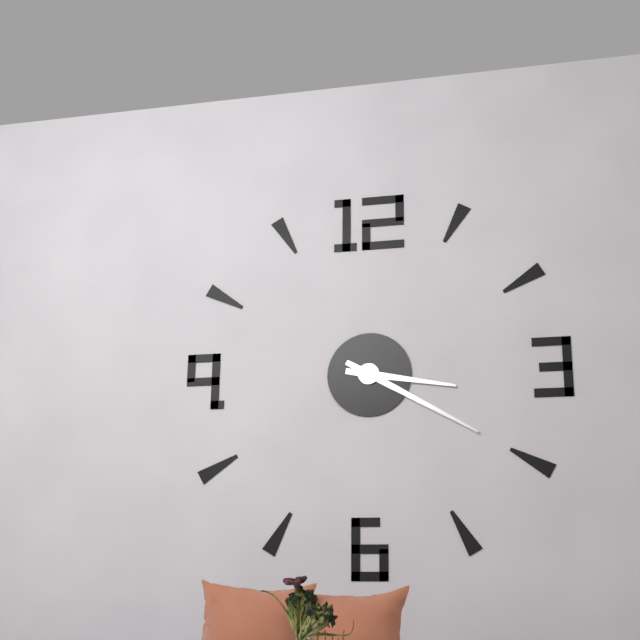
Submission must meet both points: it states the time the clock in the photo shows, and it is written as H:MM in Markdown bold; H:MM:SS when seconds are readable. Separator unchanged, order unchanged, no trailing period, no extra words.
**3:20**
